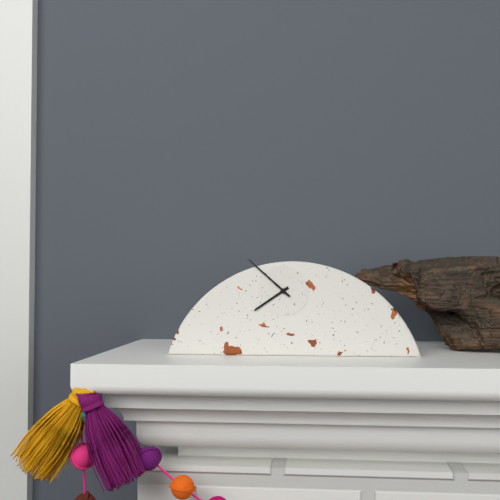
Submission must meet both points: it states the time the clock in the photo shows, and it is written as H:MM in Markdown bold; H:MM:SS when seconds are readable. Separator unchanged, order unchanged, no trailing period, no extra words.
**7:52**
